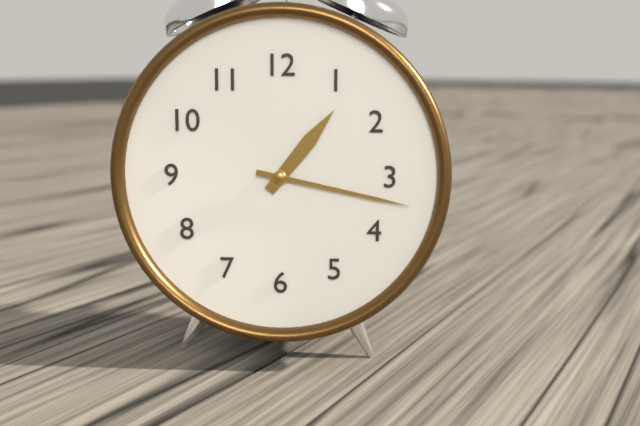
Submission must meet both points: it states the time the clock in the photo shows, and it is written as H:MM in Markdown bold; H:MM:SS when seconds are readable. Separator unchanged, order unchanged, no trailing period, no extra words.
**1:17**
